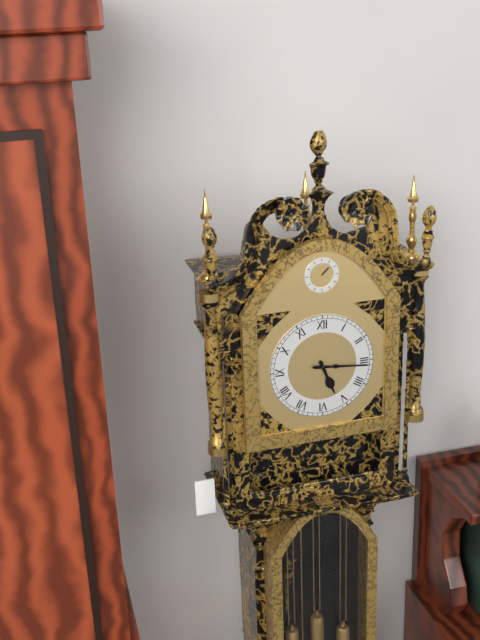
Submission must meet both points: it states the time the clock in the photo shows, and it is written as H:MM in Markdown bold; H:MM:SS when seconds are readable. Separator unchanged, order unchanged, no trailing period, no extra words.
**5:16**
